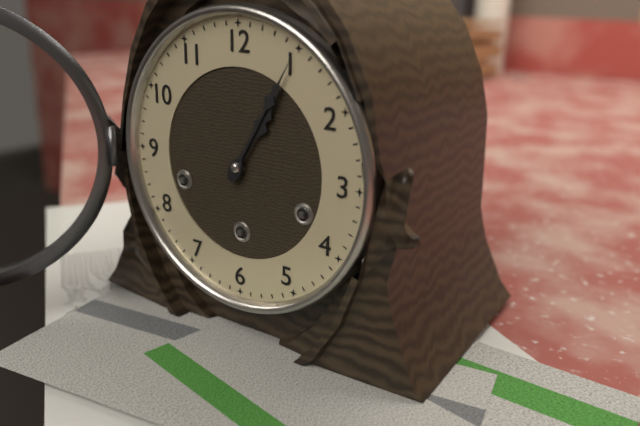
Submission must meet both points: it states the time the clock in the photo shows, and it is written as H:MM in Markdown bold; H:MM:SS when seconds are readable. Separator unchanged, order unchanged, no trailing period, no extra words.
**1:05**
